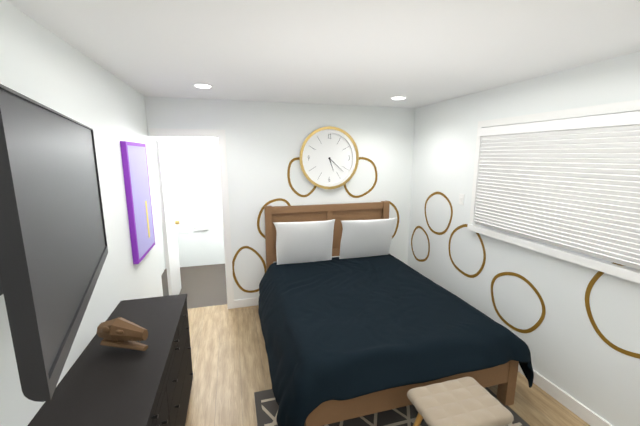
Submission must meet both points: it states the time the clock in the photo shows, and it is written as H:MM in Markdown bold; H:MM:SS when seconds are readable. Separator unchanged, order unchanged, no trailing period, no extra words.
**5:22**
